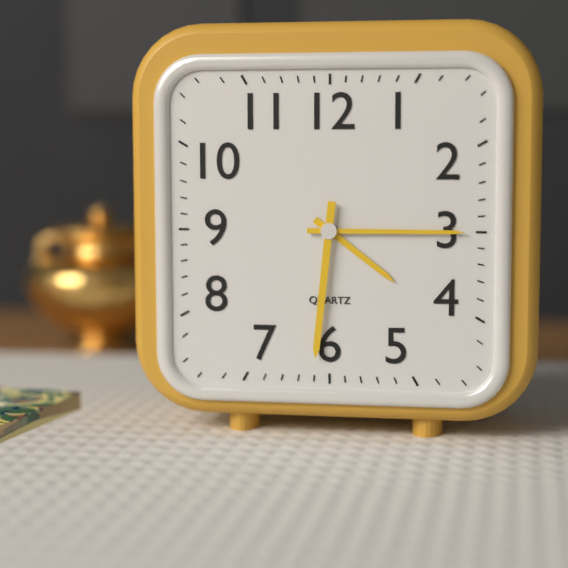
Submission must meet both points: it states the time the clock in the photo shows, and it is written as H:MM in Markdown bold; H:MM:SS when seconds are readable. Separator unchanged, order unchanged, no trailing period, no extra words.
**4:15:31**
